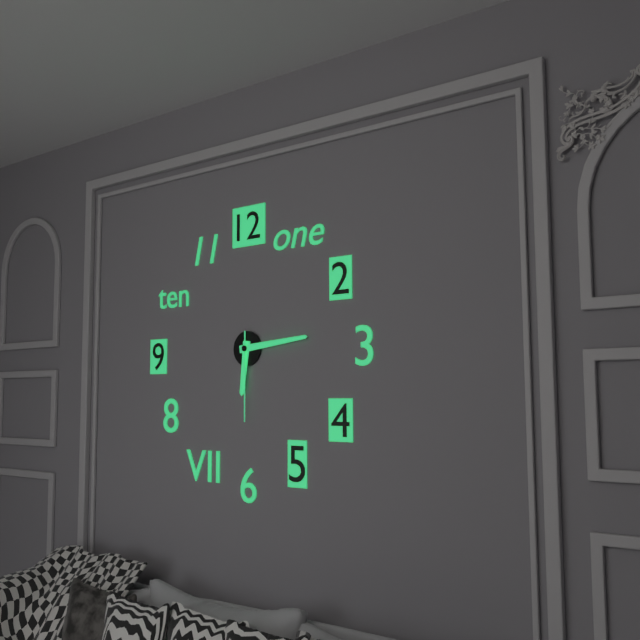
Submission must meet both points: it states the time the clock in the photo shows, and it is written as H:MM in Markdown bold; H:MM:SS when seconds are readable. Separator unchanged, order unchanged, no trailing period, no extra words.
**6:14:30**
